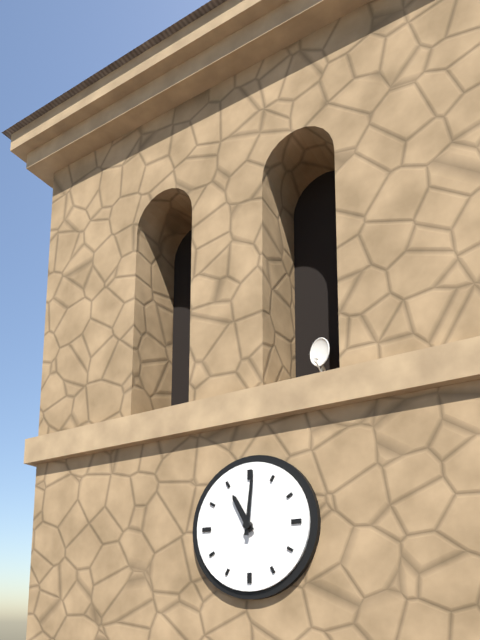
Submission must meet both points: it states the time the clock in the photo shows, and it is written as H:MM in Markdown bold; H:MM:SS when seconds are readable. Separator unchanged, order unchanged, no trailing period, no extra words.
**11:01**
